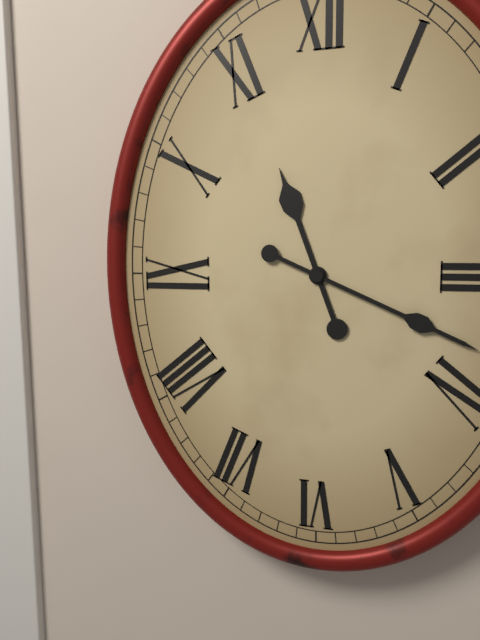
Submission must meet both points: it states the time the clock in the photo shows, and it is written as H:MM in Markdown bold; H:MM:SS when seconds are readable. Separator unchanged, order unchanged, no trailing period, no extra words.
**11:19**
